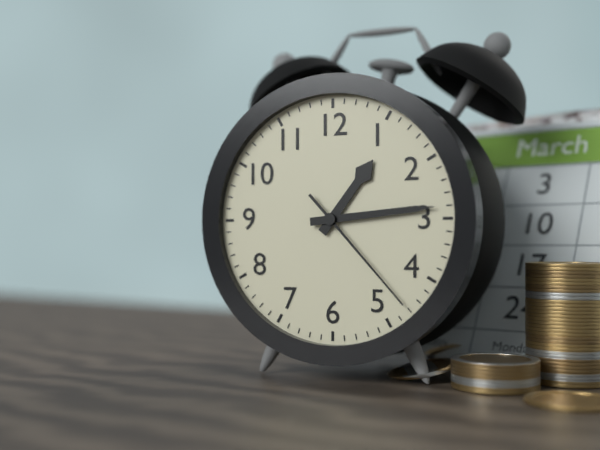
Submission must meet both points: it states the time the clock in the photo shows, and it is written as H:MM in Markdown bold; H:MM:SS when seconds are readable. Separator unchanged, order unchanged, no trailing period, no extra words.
**1:14:23**
